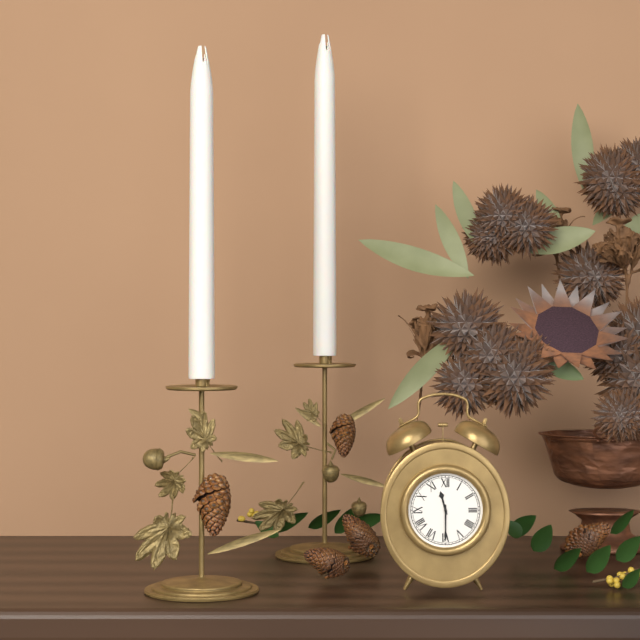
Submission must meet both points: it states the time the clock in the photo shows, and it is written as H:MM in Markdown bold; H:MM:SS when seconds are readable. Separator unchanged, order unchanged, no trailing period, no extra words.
**11:30**
